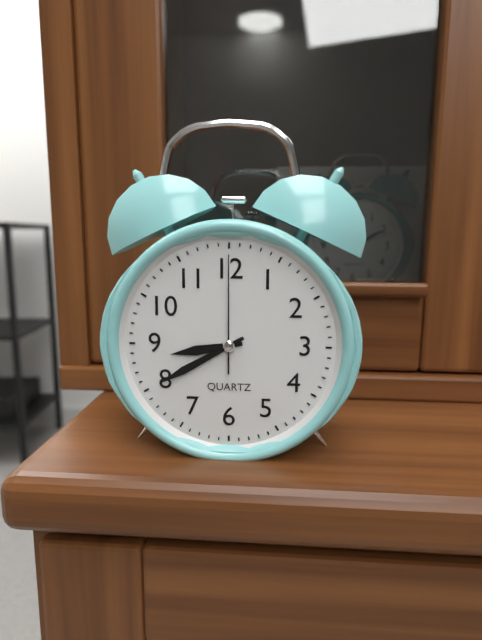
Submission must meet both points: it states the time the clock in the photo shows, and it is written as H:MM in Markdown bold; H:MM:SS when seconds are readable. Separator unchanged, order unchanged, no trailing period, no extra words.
**8:40:00**
